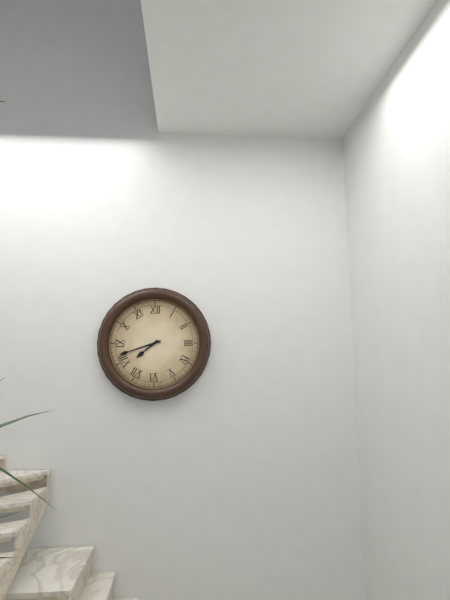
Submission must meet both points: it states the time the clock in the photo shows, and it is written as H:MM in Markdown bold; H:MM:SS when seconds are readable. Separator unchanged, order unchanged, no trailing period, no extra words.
**7:42**
